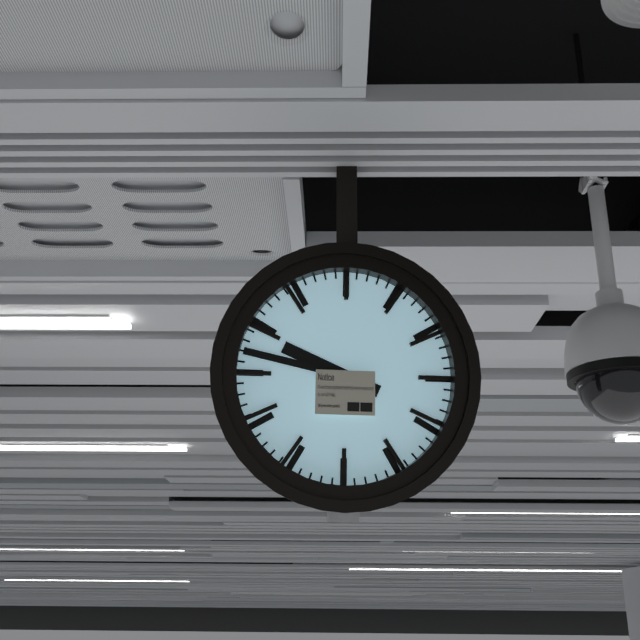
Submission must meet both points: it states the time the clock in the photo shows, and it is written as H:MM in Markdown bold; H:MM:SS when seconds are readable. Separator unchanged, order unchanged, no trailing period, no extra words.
**9:47**
